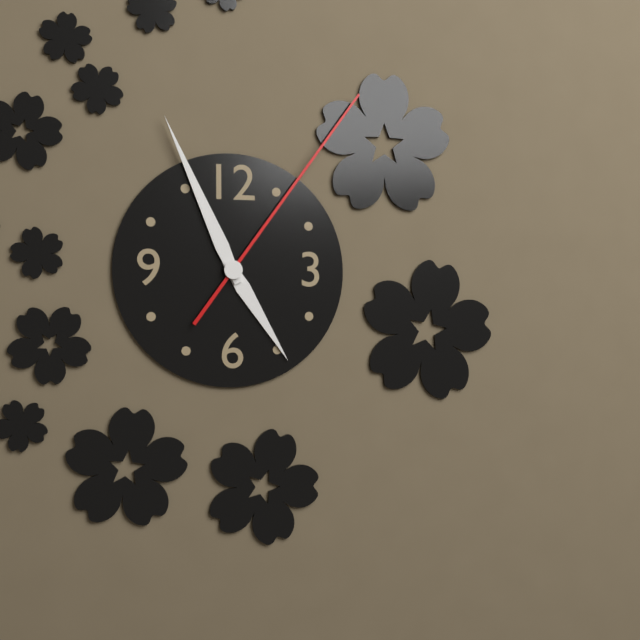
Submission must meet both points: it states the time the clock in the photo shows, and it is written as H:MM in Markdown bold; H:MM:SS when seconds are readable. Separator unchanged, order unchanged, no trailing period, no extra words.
**4:56:06**
